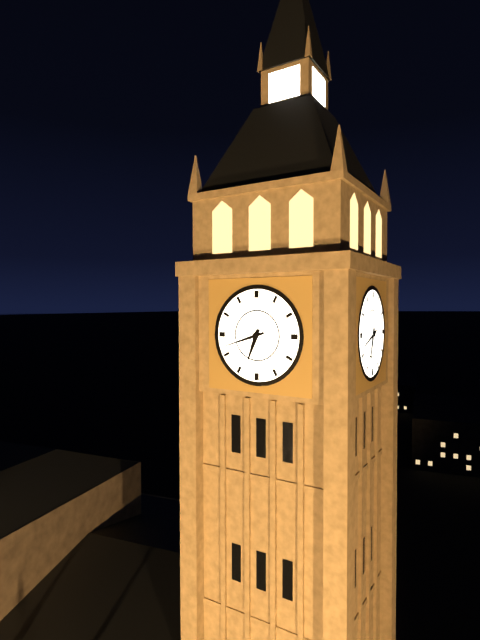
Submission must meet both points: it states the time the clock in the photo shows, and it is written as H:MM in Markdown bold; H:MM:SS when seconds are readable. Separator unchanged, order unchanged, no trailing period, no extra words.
**6:42**
